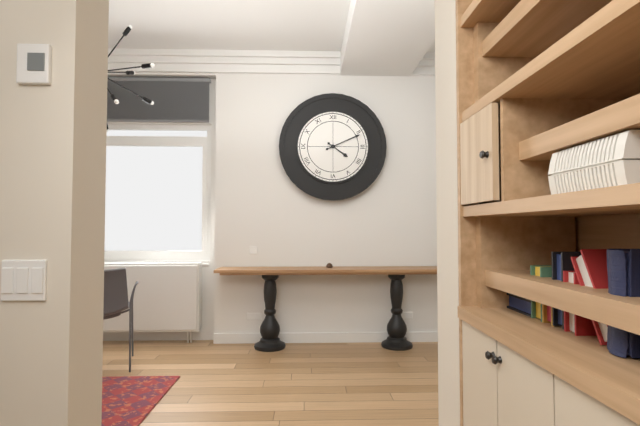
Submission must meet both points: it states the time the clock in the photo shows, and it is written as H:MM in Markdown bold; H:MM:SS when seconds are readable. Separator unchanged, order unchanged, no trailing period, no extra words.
**4:11**
